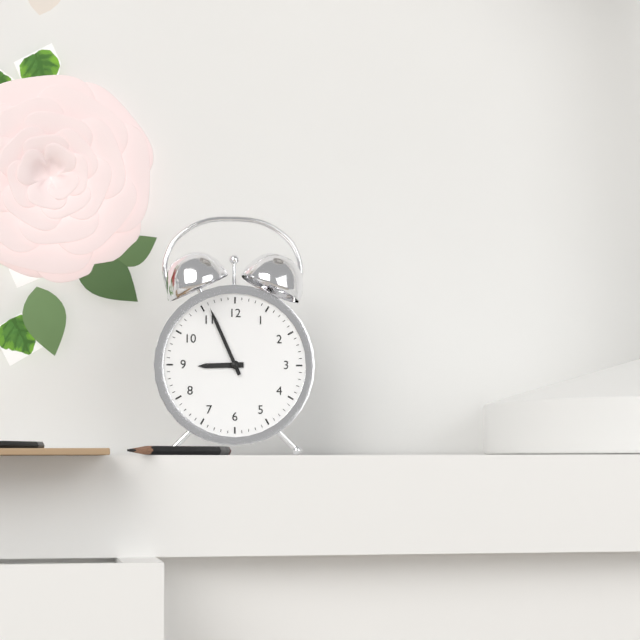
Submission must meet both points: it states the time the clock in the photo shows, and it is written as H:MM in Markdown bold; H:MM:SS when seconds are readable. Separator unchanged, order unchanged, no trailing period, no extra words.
**8:56**
